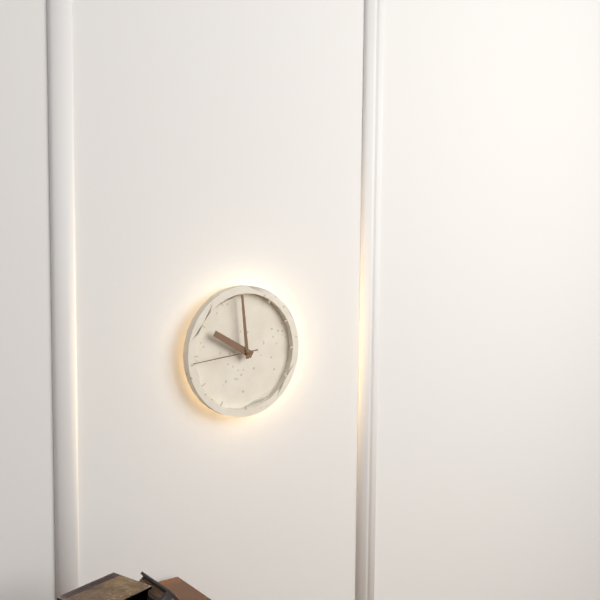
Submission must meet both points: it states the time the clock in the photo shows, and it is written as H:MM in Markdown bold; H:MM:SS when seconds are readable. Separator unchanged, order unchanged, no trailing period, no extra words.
**9:59:44**
